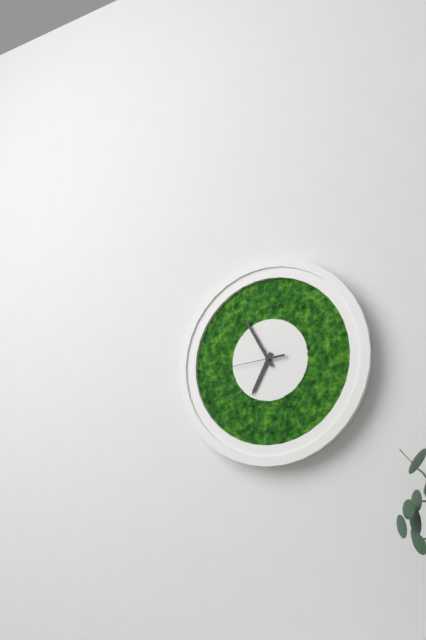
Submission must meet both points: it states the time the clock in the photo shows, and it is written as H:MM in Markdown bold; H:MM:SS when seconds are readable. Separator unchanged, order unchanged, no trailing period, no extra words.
**6:55**
